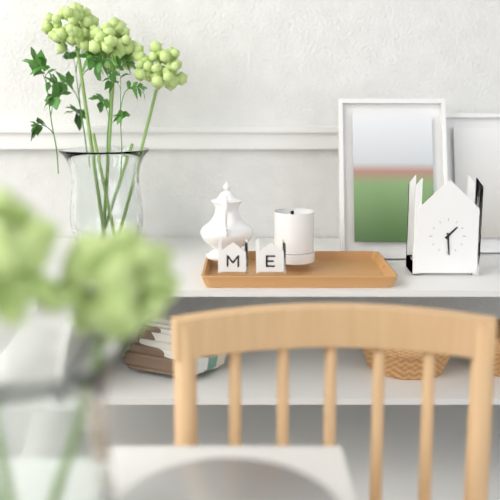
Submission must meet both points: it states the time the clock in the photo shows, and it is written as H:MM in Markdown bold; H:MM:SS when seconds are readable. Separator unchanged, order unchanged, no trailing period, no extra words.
**1:29**
